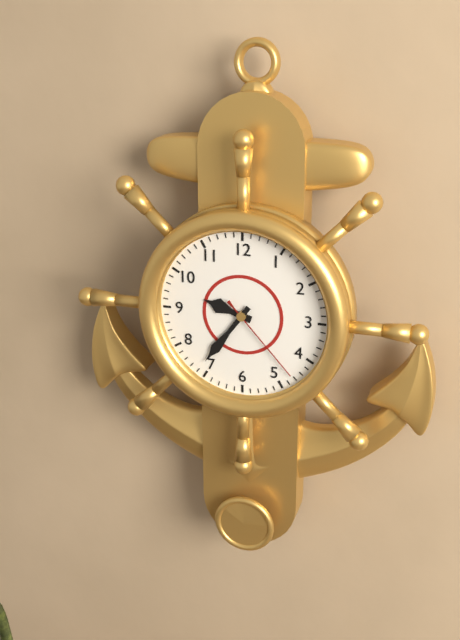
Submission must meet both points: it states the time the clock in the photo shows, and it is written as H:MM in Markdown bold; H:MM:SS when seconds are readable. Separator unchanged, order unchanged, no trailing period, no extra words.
**9:36:23**
